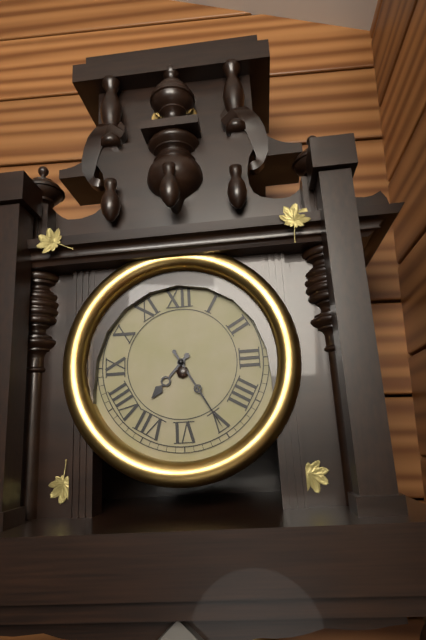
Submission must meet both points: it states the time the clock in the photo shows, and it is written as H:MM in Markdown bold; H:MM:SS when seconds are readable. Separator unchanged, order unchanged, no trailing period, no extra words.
**7:25**
